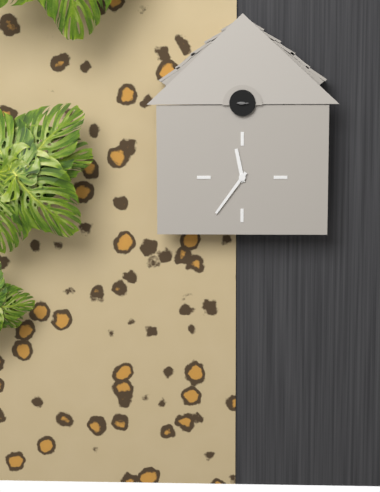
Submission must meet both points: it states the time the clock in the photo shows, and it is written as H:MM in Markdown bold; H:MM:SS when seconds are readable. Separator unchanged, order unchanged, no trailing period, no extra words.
**11:36**
